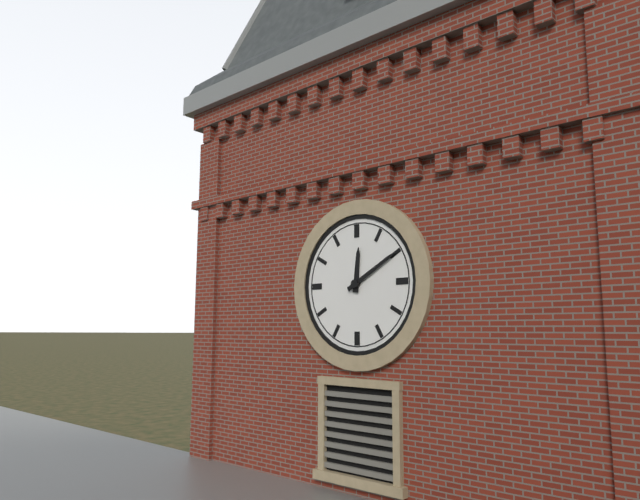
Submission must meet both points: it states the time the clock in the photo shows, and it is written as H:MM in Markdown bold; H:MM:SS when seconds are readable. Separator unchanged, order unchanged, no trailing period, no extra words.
**12:10**
